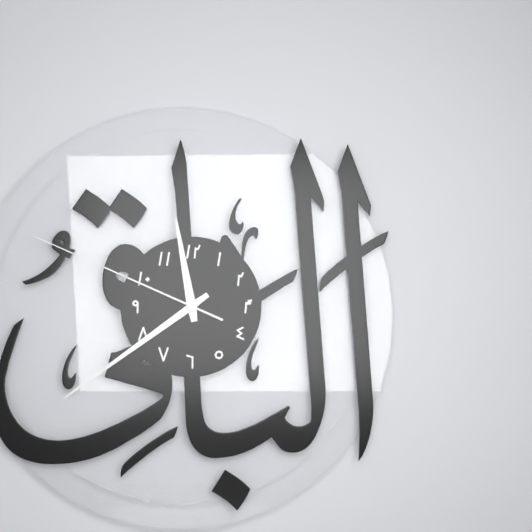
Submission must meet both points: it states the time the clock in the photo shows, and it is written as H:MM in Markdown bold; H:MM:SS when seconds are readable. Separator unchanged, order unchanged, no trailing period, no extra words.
**11:39:49**
